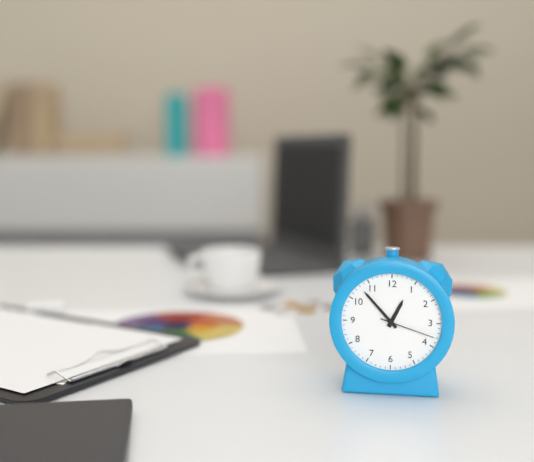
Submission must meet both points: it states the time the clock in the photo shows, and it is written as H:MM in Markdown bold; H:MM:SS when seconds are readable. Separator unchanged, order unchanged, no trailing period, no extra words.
**12:53:18**
